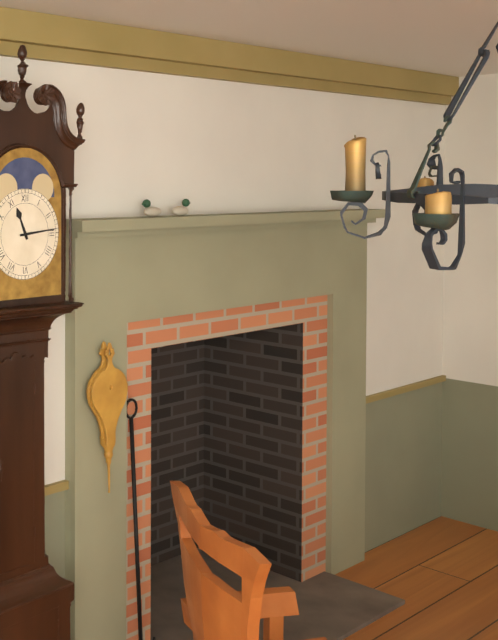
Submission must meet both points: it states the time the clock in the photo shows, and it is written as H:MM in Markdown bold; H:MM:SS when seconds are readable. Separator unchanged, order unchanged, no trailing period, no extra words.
**11:14**
